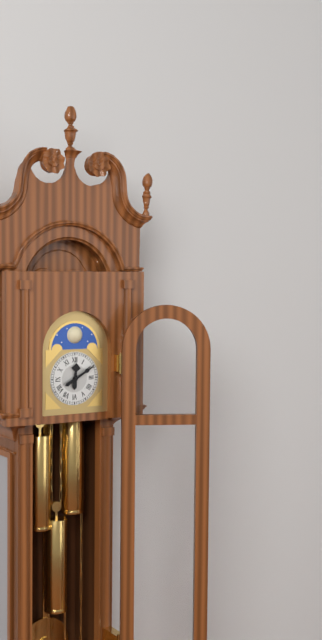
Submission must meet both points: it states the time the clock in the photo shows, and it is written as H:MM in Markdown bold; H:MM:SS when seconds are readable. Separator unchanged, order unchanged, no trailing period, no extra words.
**12:10**
